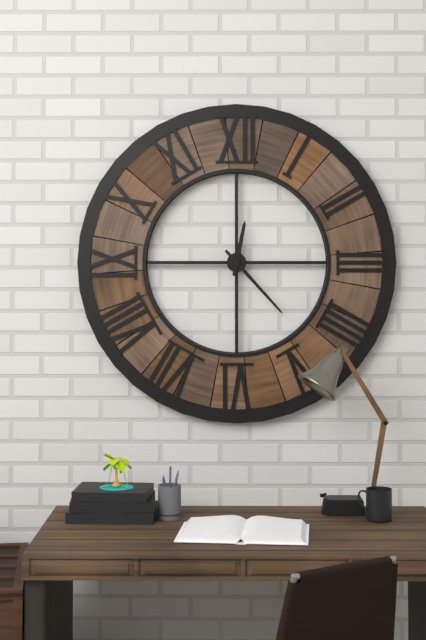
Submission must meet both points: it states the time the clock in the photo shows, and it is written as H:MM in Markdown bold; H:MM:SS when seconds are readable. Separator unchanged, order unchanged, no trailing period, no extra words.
**12:23**
